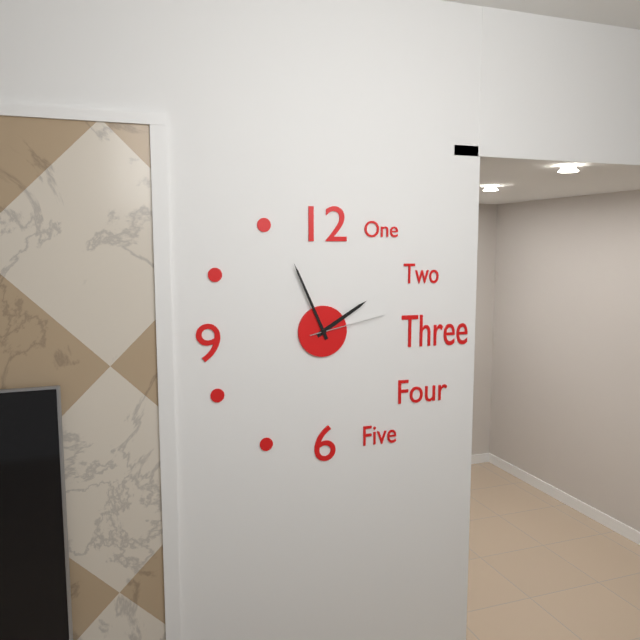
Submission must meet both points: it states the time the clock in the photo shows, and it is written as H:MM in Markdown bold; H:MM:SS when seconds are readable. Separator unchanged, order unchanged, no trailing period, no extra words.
**1:56:13**
